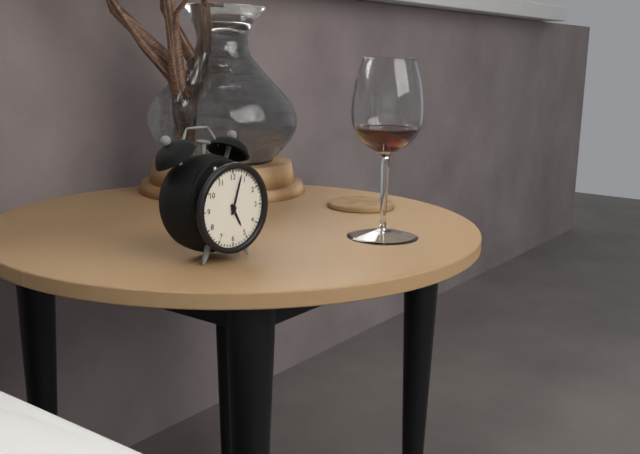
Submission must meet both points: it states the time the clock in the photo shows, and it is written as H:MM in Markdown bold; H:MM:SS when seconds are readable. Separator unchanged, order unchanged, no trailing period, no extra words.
**5:03**
